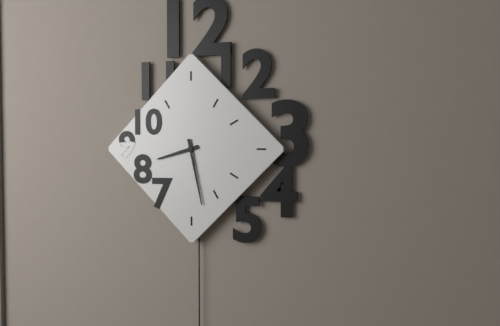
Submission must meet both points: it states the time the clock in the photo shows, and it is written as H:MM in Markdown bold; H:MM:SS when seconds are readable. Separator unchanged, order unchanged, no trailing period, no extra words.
**8:28**
